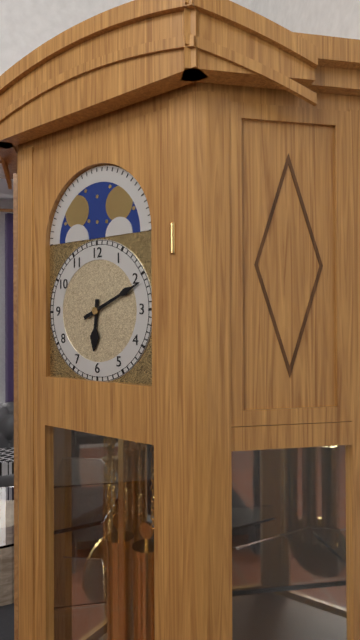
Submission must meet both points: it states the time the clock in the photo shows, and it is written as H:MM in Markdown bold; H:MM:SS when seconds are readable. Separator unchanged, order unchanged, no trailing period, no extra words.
**6:11**
